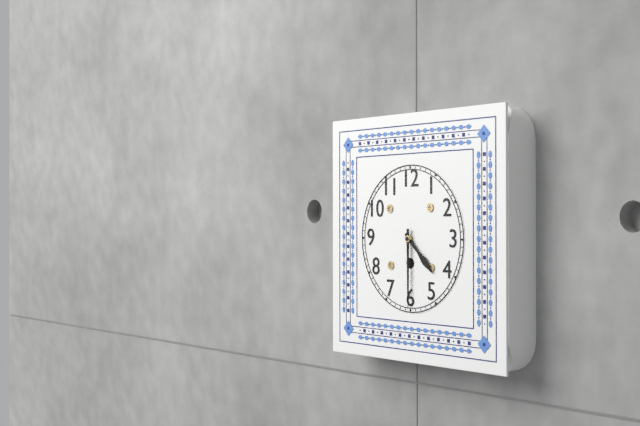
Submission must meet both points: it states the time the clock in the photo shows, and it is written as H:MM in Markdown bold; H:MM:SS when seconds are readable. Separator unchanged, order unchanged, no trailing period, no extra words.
**4:30**
